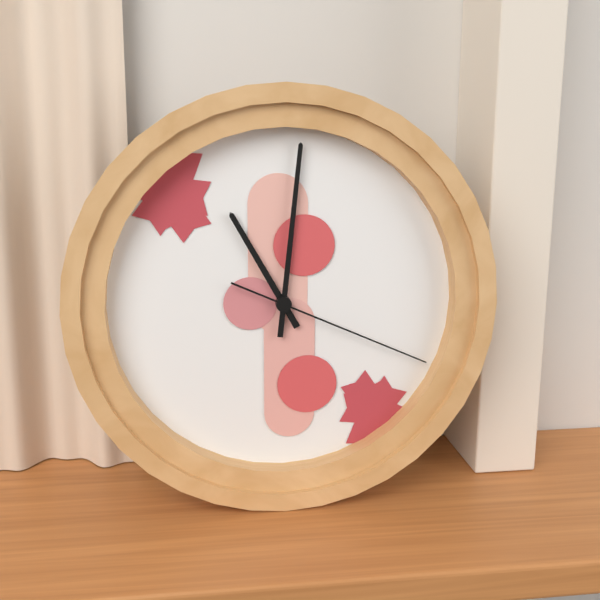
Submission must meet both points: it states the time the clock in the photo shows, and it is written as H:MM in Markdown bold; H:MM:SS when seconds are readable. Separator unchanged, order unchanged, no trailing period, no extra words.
**11:01:19**
